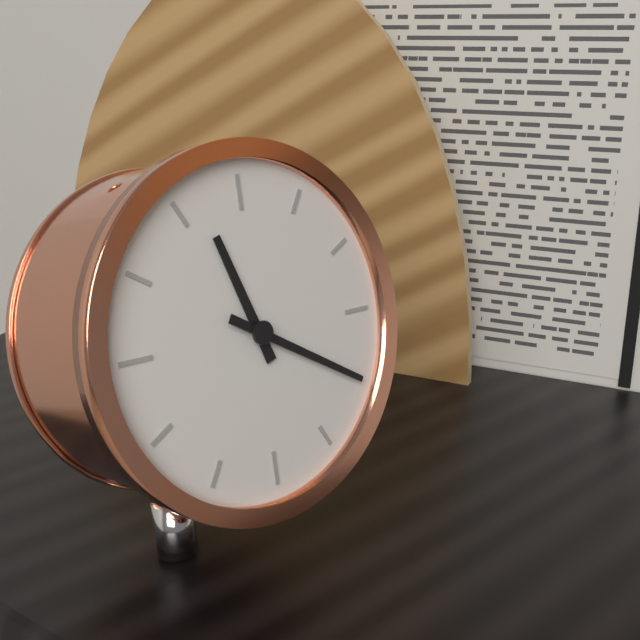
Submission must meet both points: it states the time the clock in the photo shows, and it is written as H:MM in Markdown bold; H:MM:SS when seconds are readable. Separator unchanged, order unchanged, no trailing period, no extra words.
**11:20**
